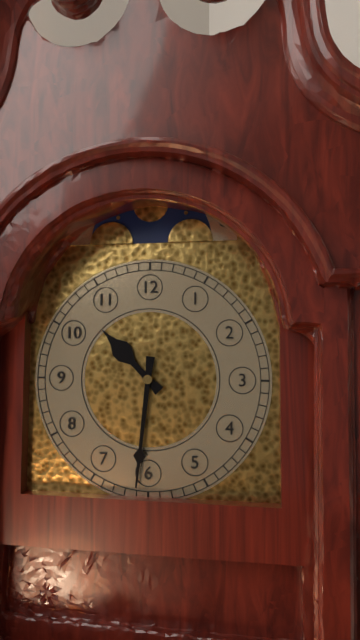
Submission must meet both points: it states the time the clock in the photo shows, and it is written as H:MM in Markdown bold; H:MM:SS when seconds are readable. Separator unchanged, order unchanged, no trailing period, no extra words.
**10:31**
